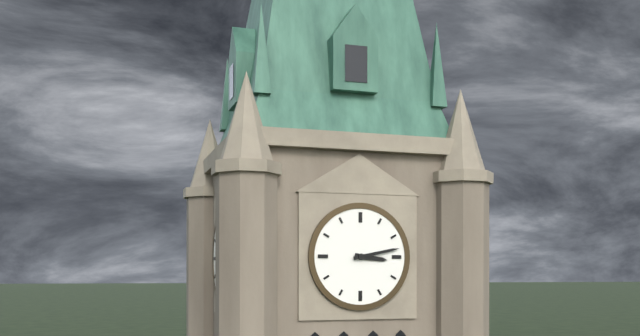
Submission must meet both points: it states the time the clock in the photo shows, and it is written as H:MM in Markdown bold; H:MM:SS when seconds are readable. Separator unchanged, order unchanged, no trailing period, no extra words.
**3:13**
